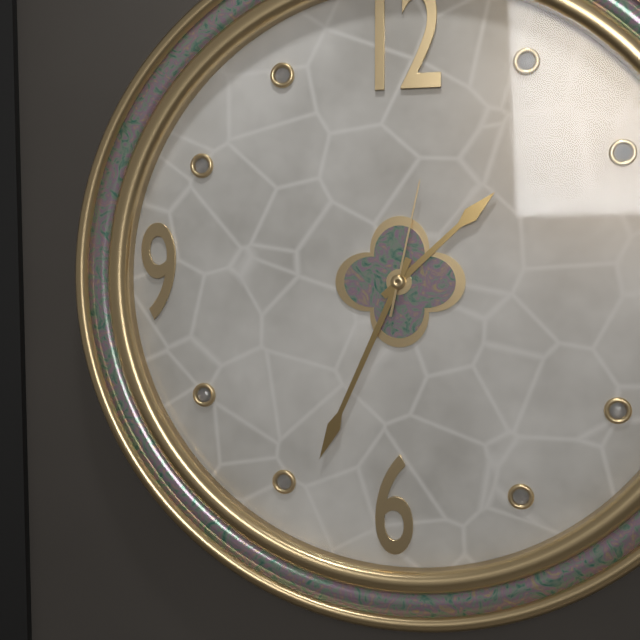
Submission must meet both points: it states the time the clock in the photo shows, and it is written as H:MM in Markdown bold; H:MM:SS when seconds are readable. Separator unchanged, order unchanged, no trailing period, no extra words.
**1:34:02**
